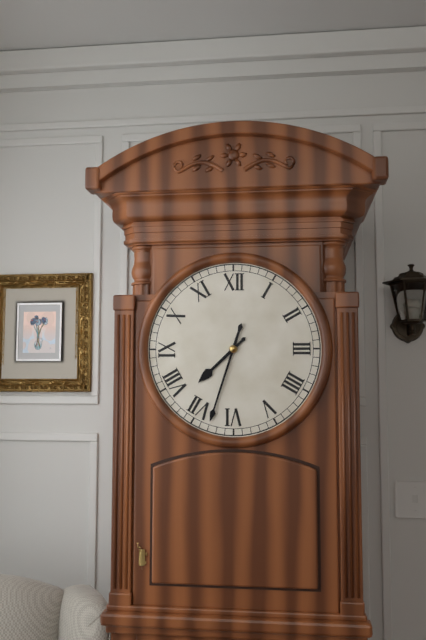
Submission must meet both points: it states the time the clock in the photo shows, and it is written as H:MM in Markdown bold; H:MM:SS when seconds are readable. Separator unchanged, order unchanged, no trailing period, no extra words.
**7:33**
